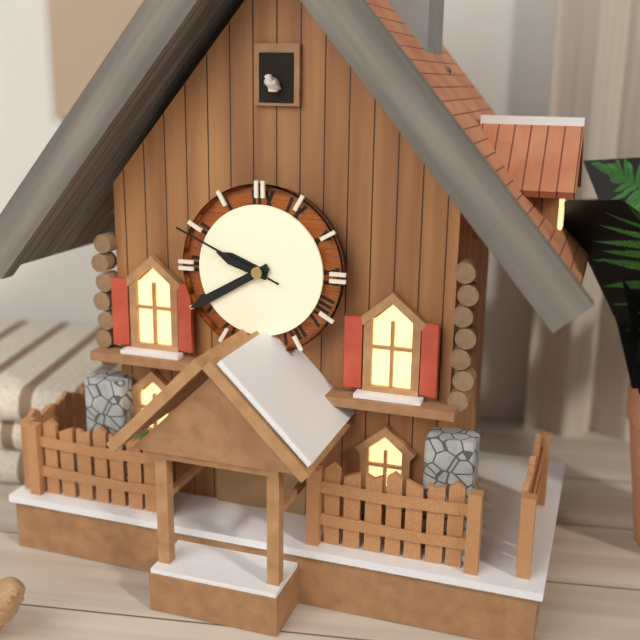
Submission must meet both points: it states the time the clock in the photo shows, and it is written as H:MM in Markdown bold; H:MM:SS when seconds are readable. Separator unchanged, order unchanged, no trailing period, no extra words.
**9:40:49**
